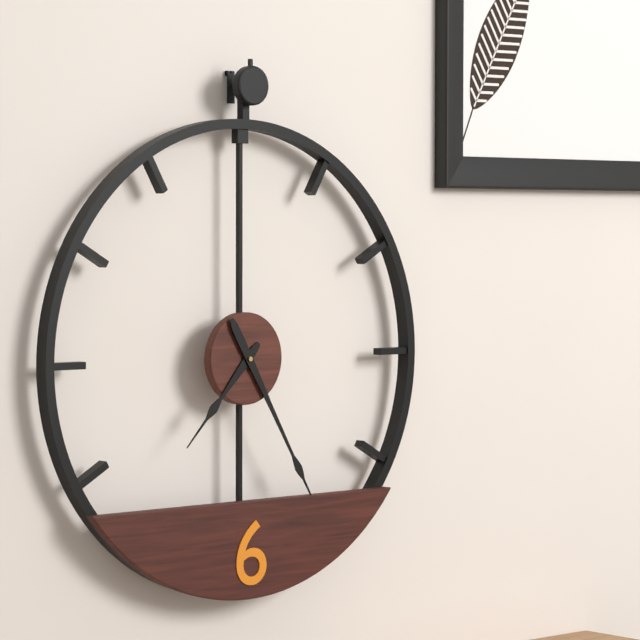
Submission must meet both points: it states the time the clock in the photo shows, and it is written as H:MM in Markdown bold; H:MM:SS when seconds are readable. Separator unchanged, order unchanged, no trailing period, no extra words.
**7:25**
